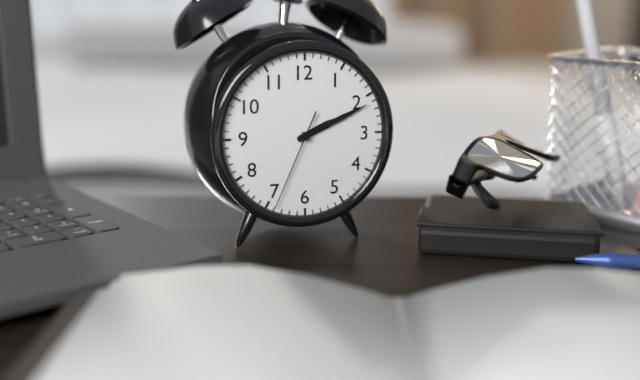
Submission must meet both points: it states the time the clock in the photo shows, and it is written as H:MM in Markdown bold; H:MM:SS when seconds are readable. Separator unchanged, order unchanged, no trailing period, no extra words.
**2:11:34**
